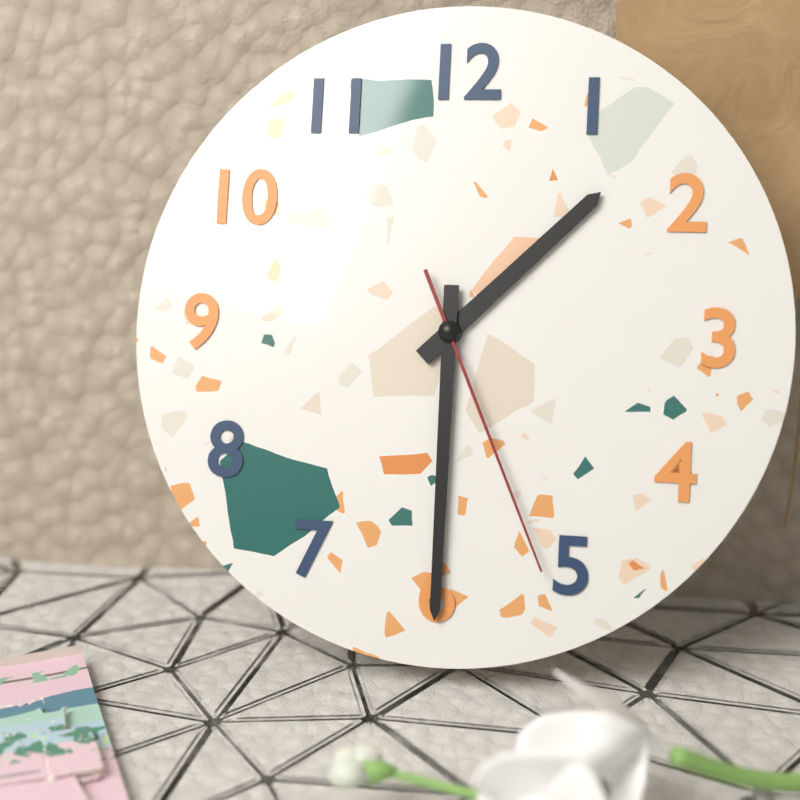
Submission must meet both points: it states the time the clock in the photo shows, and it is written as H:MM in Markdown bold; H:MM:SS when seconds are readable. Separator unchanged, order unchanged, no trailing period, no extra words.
**1:30:26**
